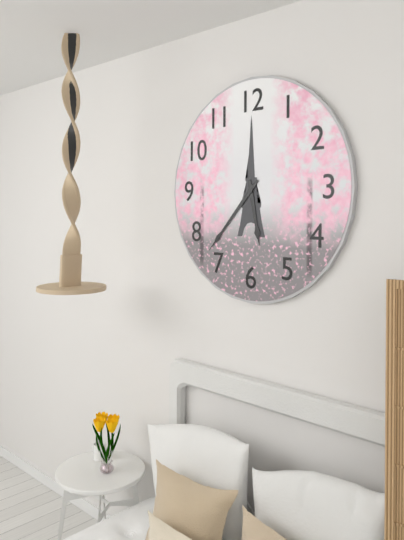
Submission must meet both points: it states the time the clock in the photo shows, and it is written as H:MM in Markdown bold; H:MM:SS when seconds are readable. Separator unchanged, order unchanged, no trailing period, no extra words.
**5:37**
